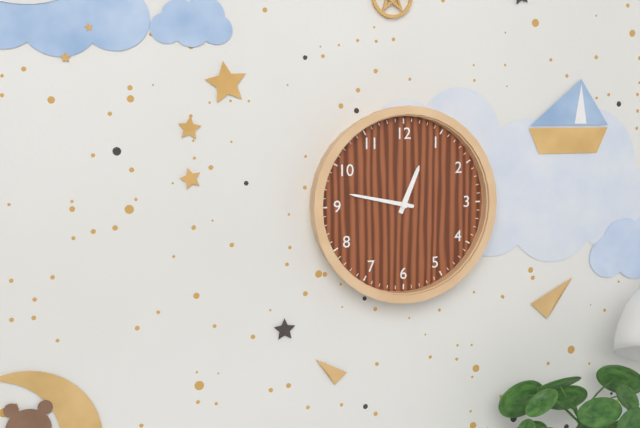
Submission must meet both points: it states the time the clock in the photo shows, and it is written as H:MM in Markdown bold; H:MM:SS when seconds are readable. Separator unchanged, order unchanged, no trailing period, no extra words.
**12:47**
